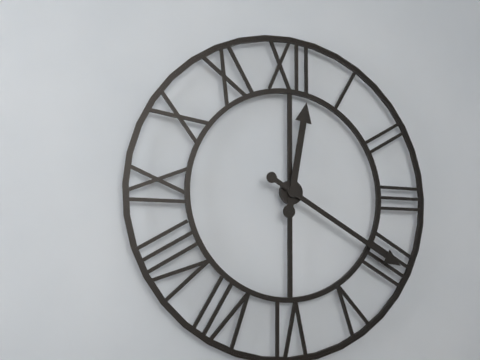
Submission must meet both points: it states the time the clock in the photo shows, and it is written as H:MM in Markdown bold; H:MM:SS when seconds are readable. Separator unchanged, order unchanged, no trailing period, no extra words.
**12:20**
